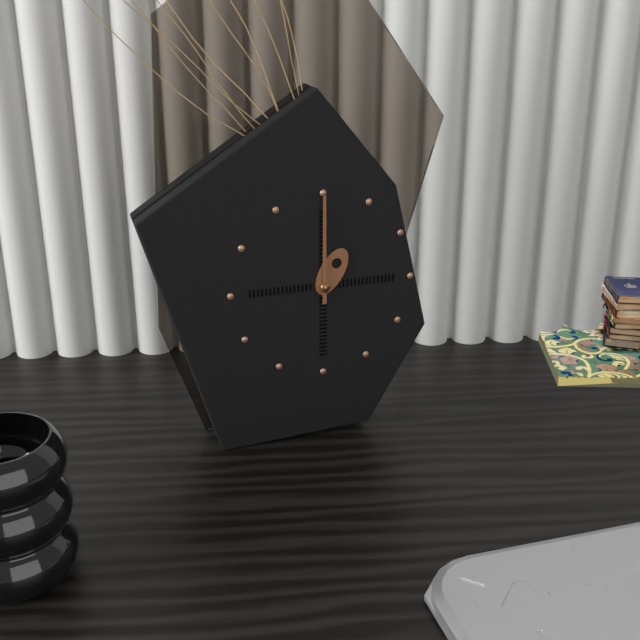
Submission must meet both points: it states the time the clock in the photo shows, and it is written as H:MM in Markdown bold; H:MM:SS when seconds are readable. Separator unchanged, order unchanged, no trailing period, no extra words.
**1:00**
